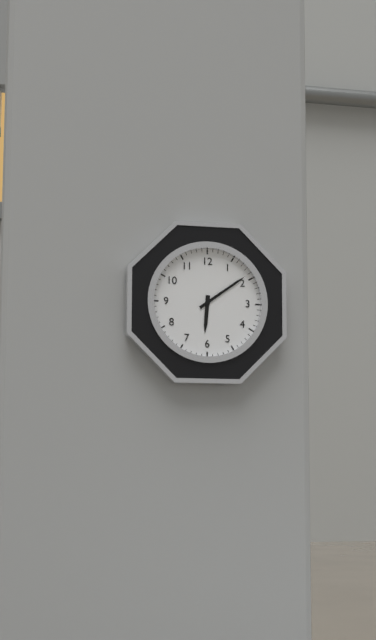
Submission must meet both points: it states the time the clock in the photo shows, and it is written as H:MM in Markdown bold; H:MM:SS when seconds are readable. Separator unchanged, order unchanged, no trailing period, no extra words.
**6:09**
